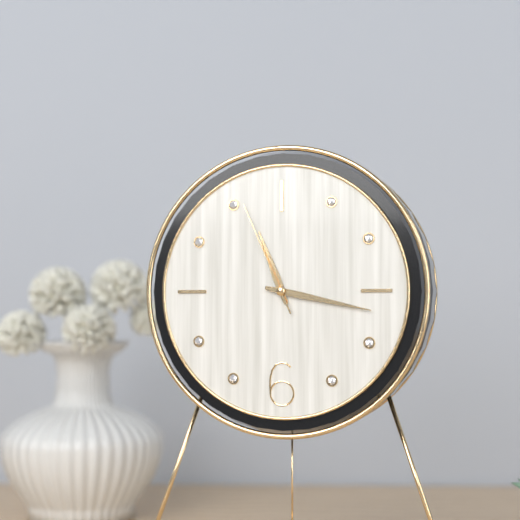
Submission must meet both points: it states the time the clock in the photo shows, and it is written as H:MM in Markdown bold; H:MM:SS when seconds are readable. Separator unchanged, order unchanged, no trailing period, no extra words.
**11:17:56**
